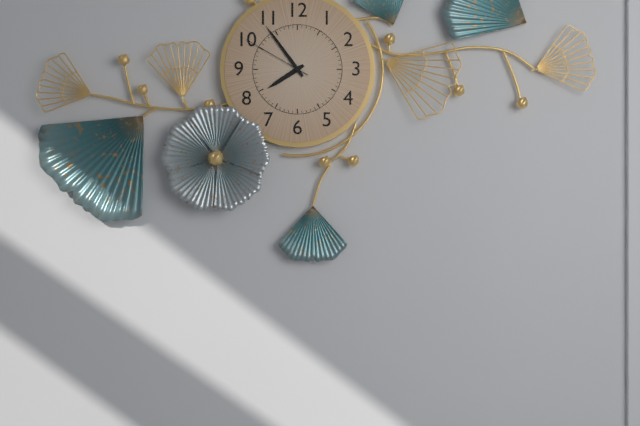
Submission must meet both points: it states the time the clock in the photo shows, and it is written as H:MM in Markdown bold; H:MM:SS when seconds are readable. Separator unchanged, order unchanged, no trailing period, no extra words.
**7:54:50**
